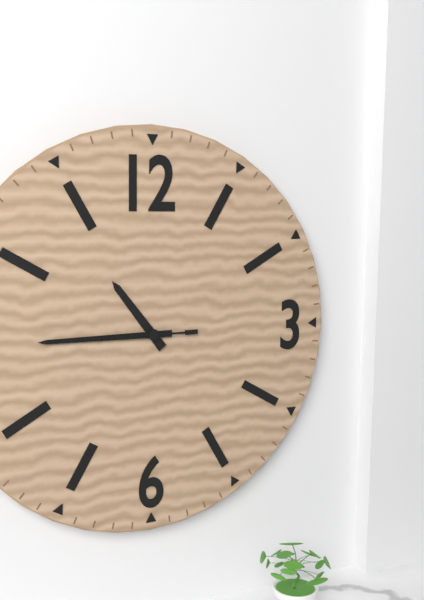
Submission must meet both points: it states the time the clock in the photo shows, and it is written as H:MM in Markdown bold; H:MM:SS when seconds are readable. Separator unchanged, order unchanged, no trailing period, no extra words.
**10:45:45**
